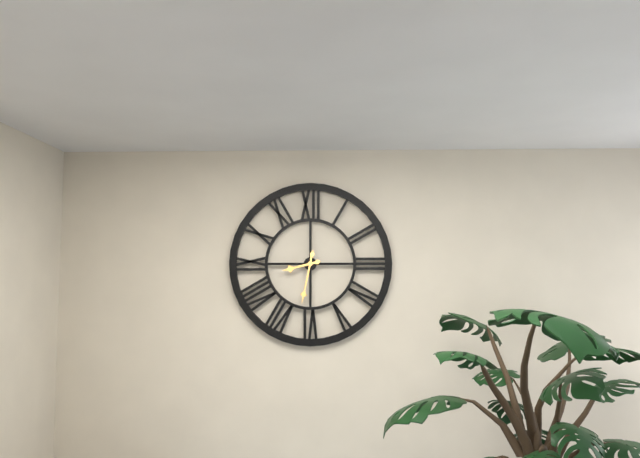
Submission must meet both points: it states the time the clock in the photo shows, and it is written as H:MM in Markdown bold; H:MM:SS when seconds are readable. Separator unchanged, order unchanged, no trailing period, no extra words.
**8:32**
